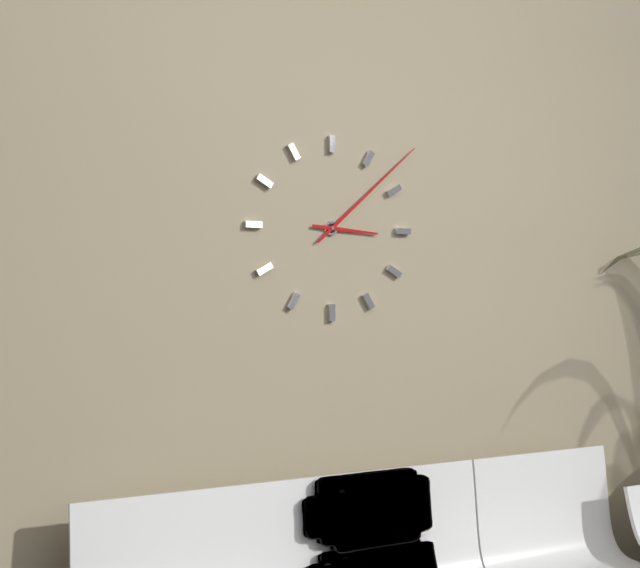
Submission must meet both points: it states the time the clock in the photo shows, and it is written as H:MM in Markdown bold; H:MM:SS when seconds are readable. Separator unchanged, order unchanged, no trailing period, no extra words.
**3:08**
